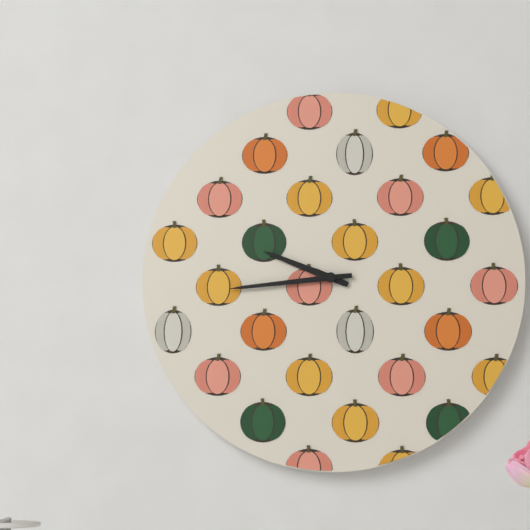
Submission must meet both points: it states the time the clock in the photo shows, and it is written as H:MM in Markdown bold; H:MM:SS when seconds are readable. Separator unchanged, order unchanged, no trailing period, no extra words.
**9:44**
